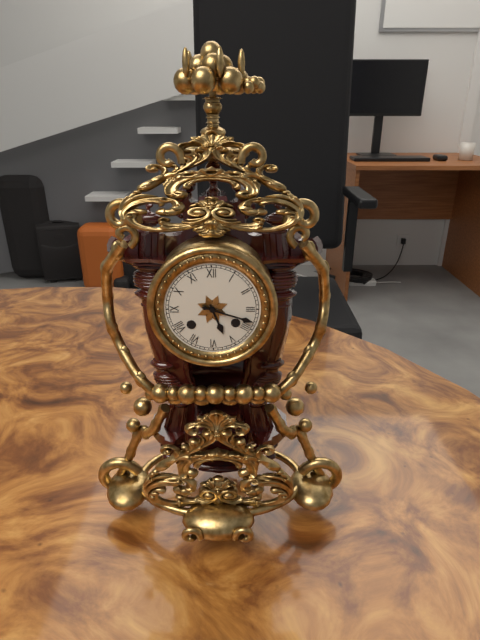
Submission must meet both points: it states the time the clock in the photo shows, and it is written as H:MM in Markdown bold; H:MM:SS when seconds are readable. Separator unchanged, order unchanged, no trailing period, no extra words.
**5:18**
